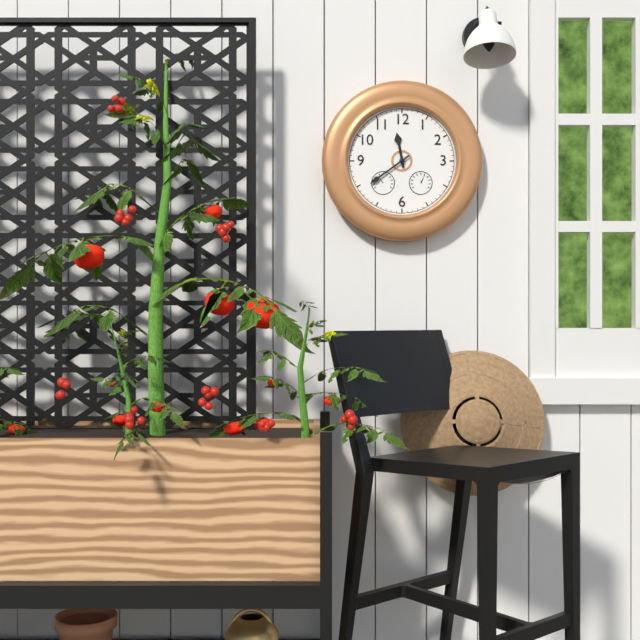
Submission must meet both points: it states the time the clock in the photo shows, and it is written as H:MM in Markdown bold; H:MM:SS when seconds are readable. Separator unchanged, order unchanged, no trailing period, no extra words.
**11:39**
